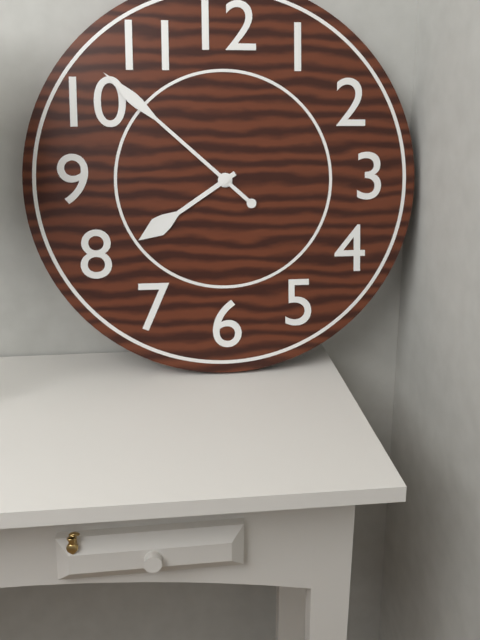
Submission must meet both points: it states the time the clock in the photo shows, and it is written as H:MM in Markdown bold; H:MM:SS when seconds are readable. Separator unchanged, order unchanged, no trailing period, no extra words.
**7:52**
